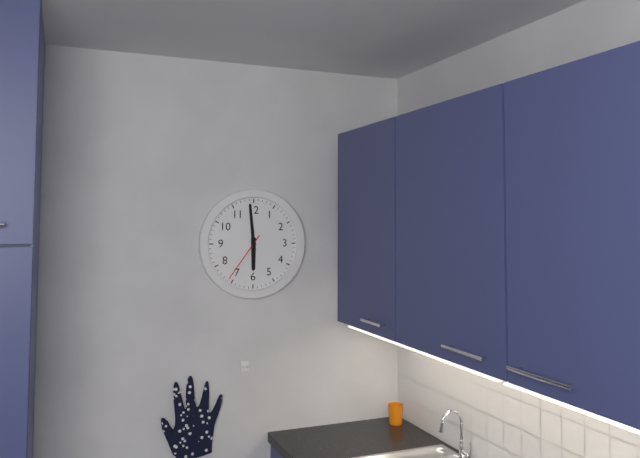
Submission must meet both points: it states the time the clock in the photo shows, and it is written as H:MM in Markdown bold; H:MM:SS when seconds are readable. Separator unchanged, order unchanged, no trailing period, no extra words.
**5:59:36**
